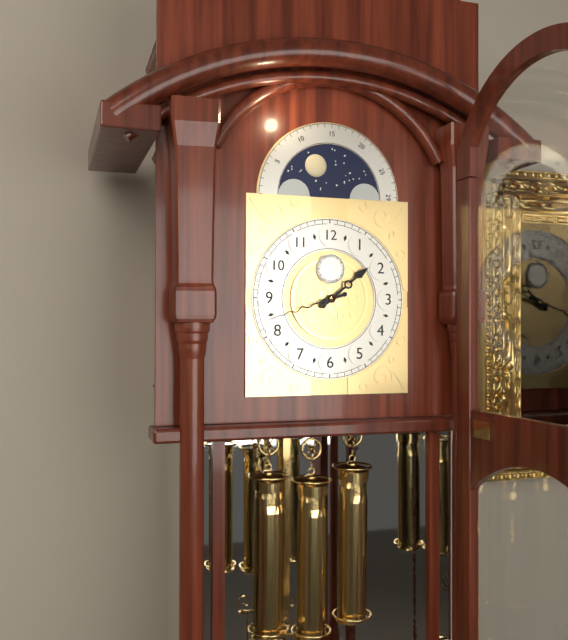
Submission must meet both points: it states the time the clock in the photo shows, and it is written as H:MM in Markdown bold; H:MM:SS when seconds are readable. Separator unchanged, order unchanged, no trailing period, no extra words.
**1:42**
